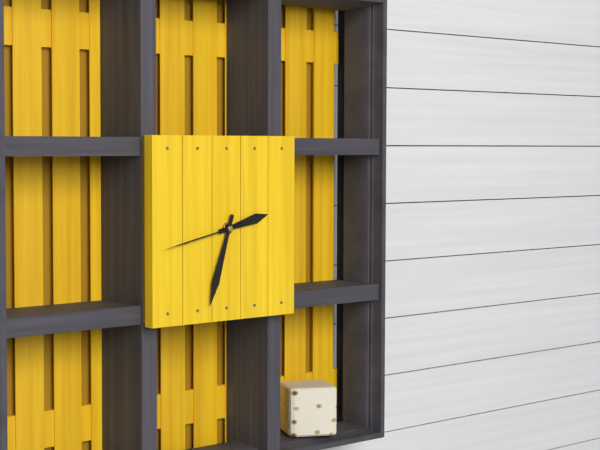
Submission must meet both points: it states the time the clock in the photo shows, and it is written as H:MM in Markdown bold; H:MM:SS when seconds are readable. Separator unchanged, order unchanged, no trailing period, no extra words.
**2:33:43**
